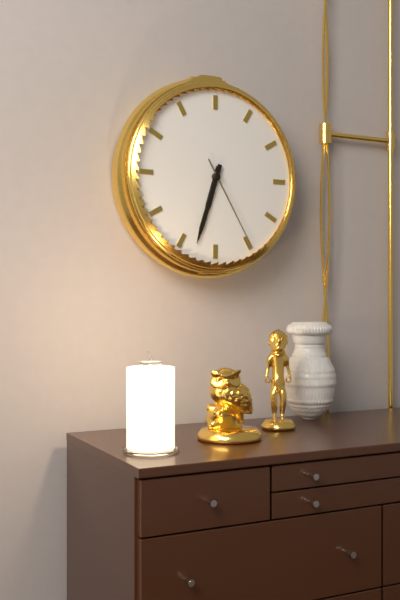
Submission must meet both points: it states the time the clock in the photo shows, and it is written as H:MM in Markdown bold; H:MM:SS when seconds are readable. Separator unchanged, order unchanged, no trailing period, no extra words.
**6:33:25**
